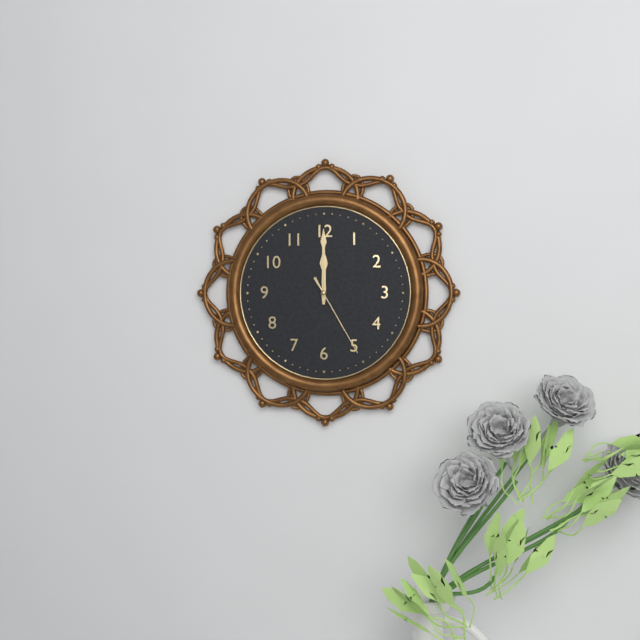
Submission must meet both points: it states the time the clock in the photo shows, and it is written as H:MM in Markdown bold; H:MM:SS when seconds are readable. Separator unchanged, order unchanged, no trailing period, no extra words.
**12:00:25**
